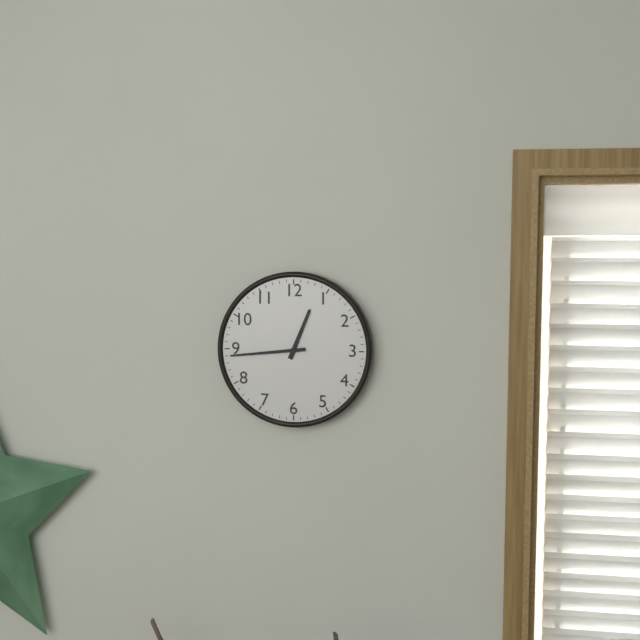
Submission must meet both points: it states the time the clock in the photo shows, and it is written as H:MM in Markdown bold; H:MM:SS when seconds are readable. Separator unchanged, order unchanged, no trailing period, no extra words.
**12:44**
